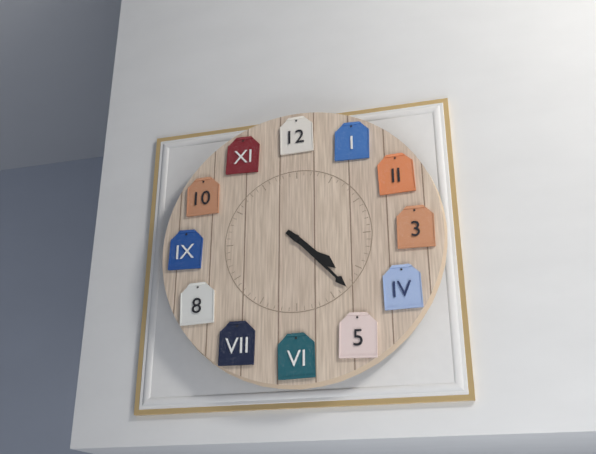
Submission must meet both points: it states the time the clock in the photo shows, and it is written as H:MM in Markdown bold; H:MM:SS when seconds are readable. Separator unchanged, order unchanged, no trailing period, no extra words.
**4:23**
